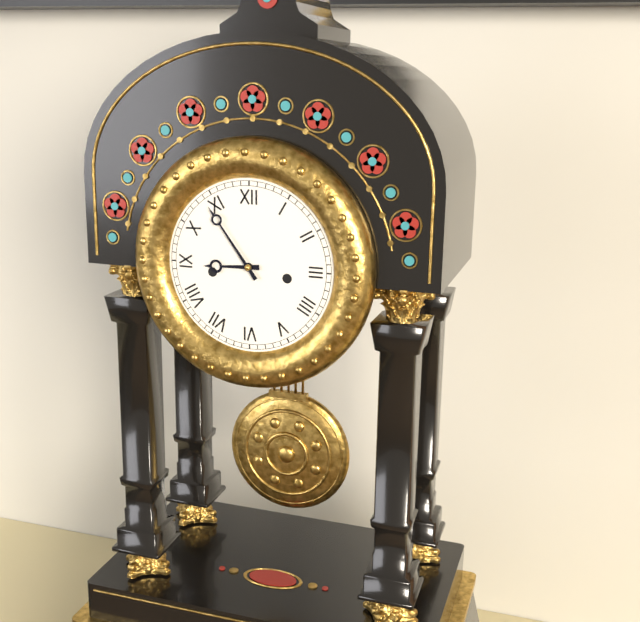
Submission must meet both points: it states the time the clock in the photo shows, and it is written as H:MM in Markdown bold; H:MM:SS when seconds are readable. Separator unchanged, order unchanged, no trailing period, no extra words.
**8:54**
